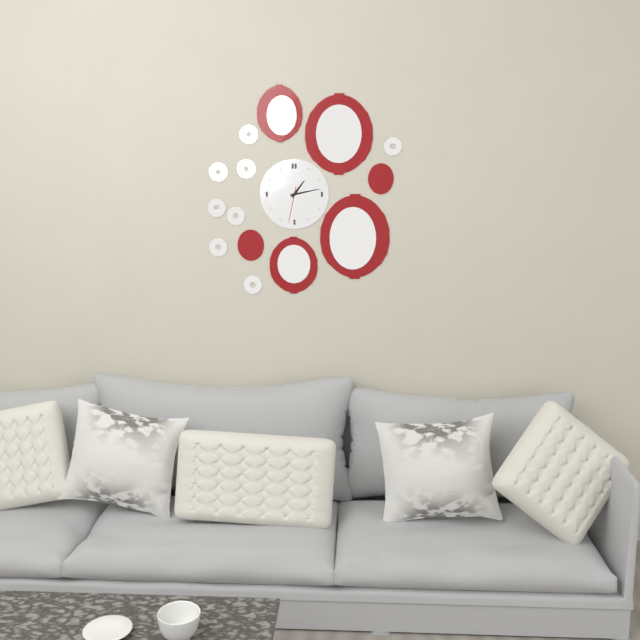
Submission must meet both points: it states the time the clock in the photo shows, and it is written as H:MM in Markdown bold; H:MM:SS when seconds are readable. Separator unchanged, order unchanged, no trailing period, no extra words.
**1:13**
